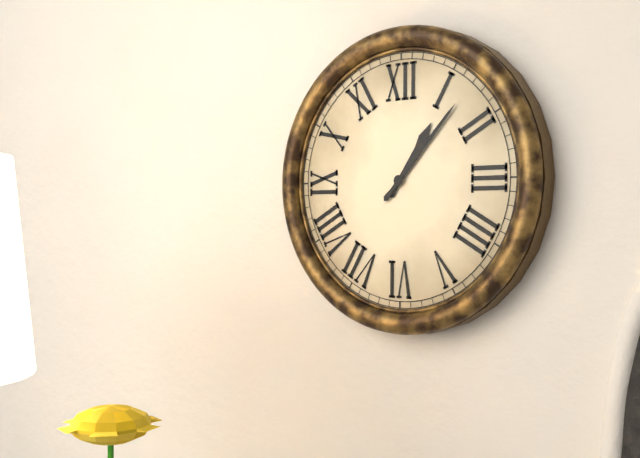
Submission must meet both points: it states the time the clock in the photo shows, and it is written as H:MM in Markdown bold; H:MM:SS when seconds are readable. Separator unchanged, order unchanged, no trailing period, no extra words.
**1:07**
